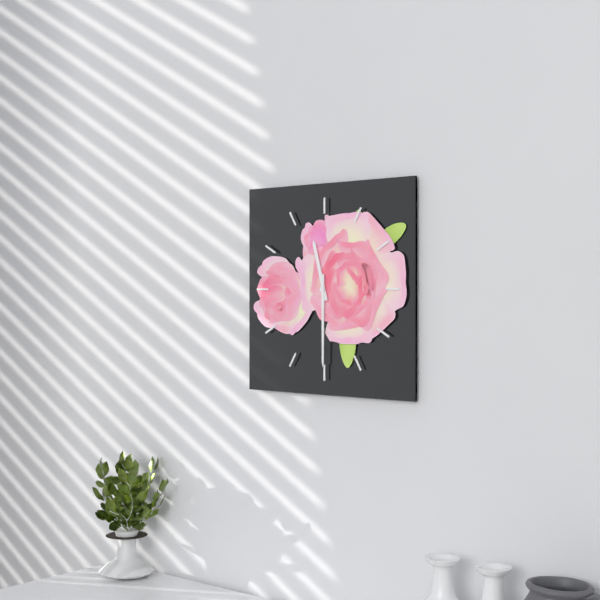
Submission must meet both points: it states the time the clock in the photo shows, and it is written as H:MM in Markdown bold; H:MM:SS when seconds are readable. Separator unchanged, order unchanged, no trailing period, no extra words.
**11:30**
